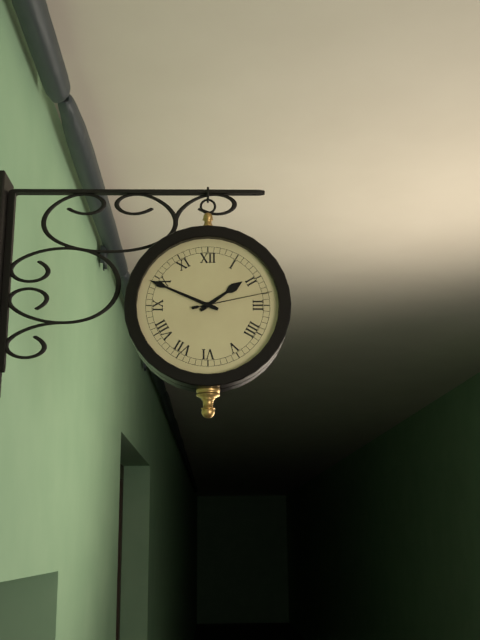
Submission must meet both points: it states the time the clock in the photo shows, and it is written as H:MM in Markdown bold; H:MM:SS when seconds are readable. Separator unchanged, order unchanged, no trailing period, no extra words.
**1:49:13**
